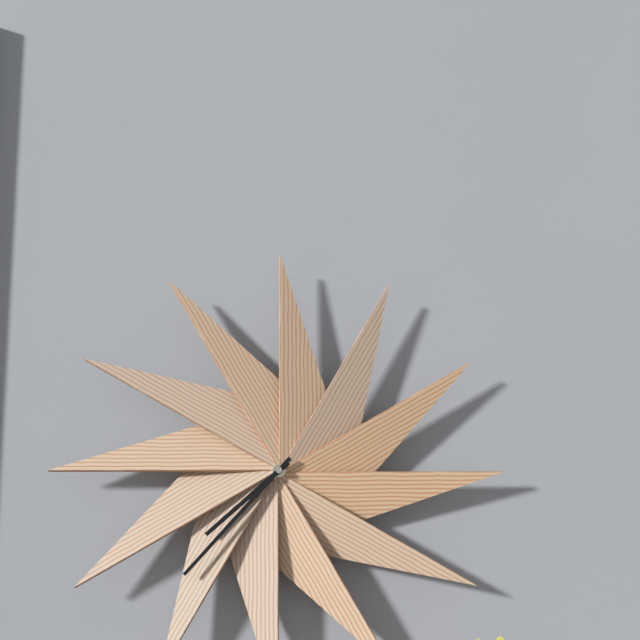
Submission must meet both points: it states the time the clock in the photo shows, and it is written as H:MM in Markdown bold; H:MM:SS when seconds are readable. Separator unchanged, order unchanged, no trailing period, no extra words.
**7:37**
